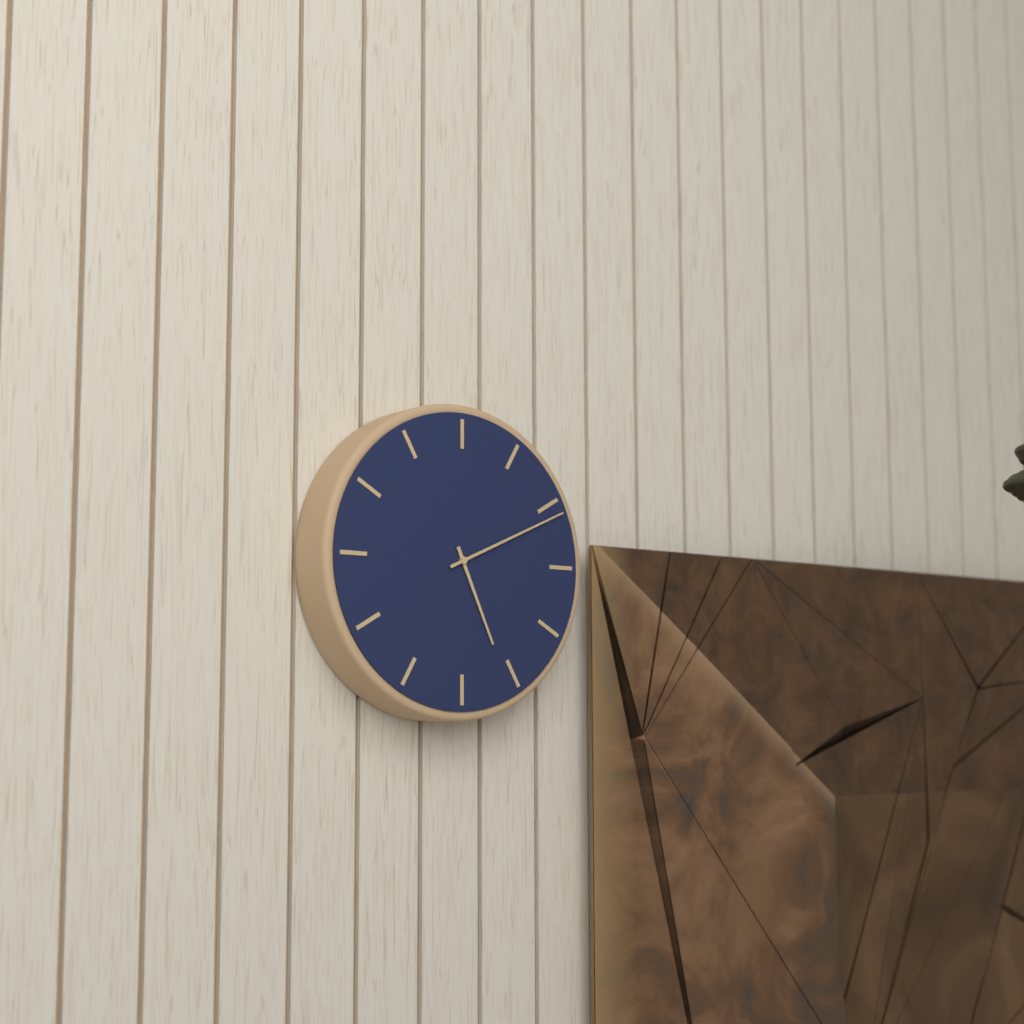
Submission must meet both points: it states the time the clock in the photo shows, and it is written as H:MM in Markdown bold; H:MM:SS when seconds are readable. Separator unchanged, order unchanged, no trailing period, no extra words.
**5:11**
